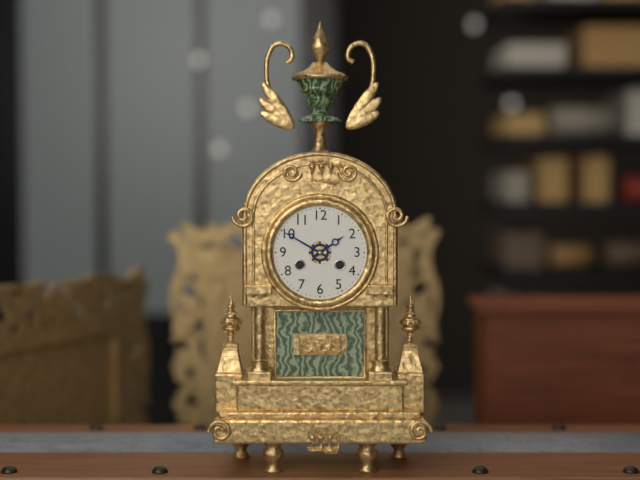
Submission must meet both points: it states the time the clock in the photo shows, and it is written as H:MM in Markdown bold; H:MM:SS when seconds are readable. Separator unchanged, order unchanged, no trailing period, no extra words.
**1:50**
